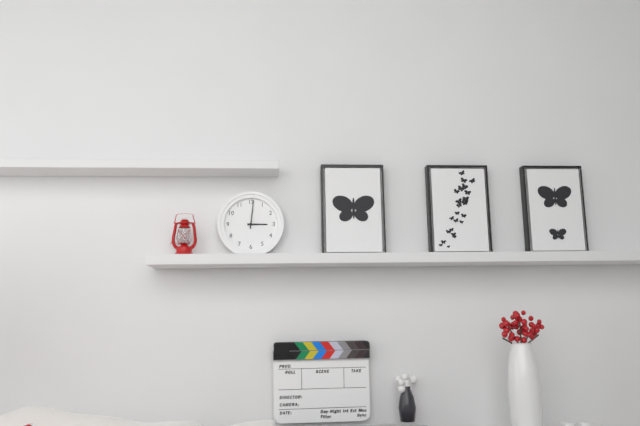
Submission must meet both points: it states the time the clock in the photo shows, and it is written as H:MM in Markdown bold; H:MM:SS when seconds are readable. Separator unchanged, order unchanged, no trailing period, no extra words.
**3:01**
